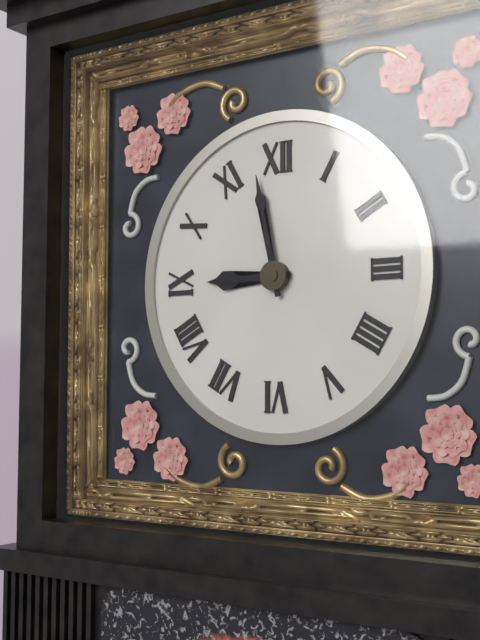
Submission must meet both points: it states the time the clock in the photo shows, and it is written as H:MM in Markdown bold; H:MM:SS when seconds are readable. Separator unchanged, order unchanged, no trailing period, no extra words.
**8:58**
